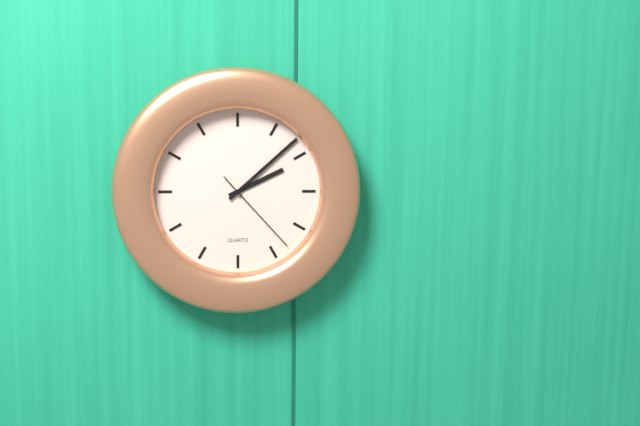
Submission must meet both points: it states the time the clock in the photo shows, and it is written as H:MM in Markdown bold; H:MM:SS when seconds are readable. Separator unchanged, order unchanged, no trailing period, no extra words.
**2:08:23**
